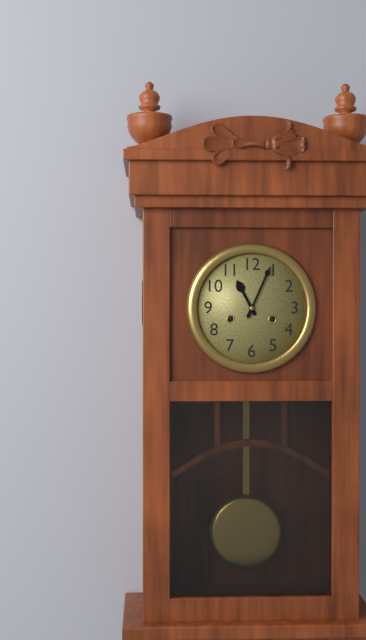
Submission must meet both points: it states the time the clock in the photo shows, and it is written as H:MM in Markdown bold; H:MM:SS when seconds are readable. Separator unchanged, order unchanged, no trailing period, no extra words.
**11:04**
